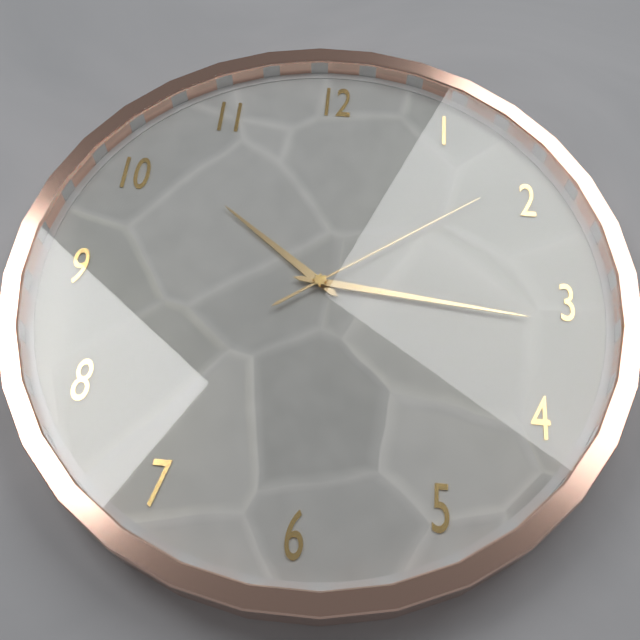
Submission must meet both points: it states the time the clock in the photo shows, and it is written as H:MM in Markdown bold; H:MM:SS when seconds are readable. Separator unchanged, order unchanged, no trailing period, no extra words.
**10:16:09**
